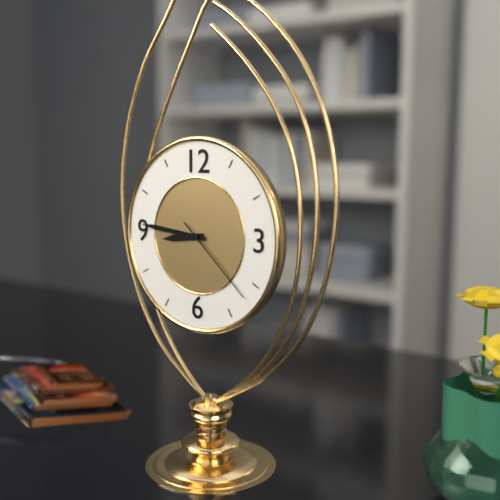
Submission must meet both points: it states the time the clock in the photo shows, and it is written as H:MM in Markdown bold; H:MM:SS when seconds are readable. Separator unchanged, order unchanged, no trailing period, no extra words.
**8:46:22**
